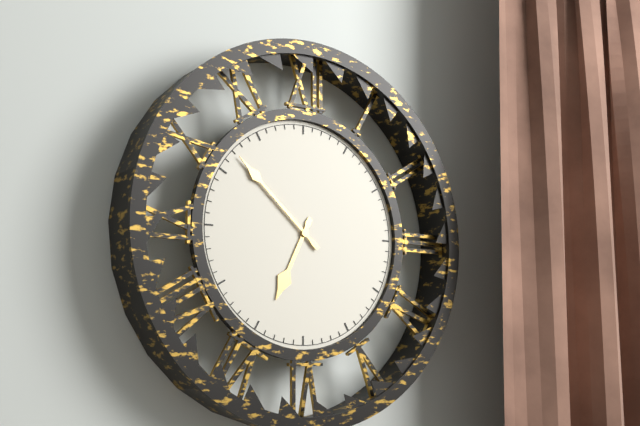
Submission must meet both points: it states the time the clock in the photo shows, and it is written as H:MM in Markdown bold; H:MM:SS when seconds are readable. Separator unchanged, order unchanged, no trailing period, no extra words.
**6:52**
